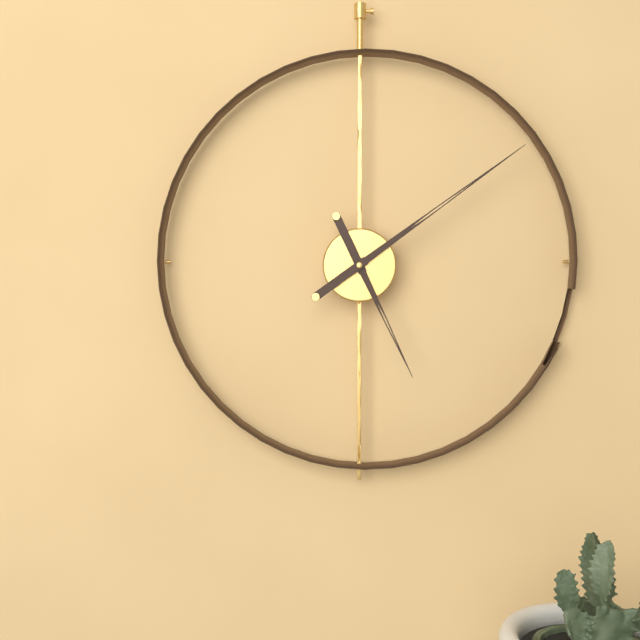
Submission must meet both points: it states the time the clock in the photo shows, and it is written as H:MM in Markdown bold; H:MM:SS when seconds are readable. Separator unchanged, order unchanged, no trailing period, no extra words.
**5:09**
